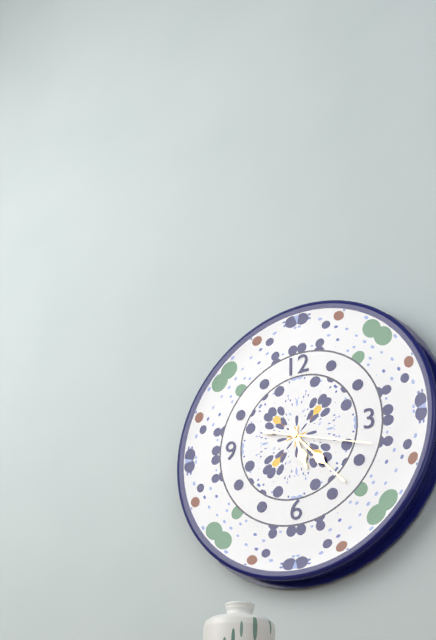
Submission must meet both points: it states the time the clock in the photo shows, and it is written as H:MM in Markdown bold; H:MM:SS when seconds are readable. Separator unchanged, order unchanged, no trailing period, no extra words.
**5:23:18**
